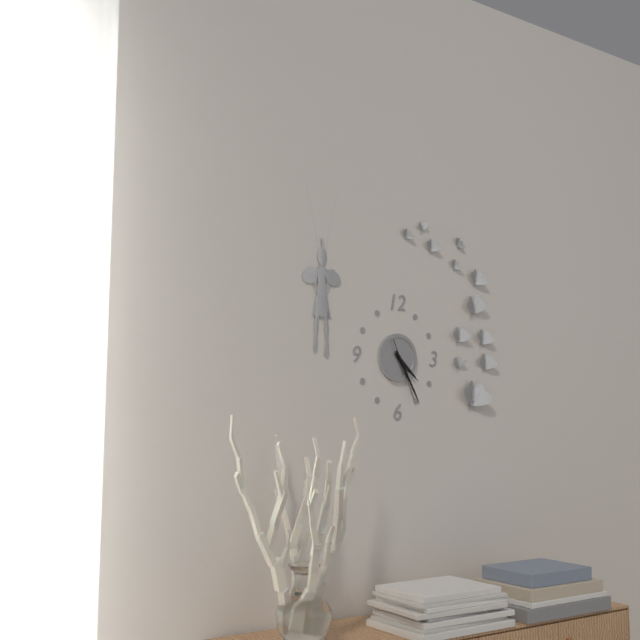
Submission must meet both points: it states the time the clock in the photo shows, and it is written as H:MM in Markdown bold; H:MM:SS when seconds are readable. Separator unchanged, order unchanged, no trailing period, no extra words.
**4:25:26**
